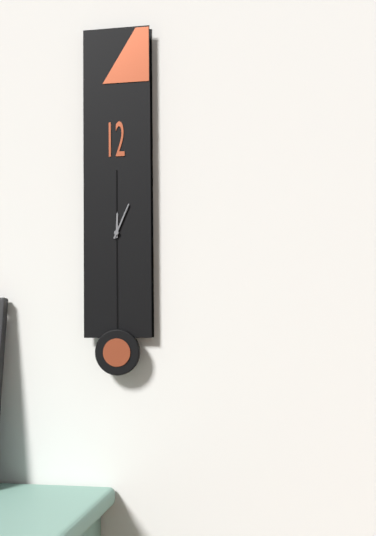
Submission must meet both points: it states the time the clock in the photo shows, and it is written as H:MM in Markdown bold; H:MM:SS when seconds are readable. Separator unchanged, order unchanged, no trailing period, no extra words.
**12:04**
